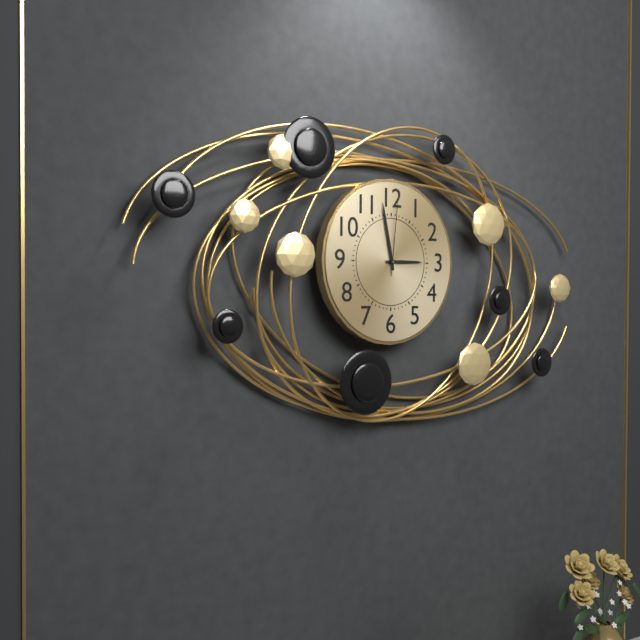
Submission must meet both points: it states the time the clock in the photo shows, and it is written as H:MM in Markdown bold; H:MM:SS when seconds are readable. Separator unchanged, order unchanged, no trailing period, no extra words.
**2:58:01**
